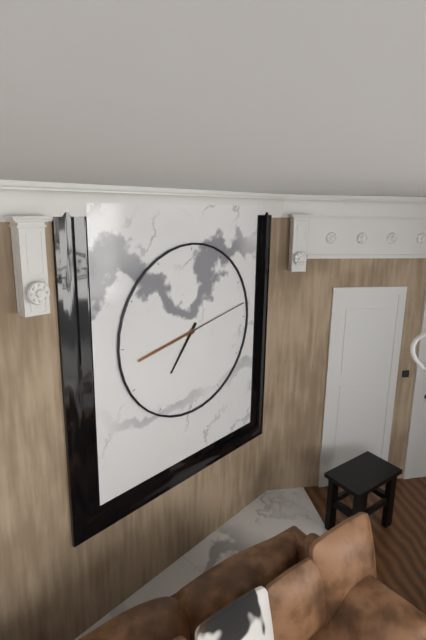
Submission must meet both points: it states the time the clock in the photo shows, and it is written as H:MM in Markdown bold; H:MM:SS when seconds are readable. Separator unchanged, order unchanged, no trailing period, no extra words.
**7:13**
